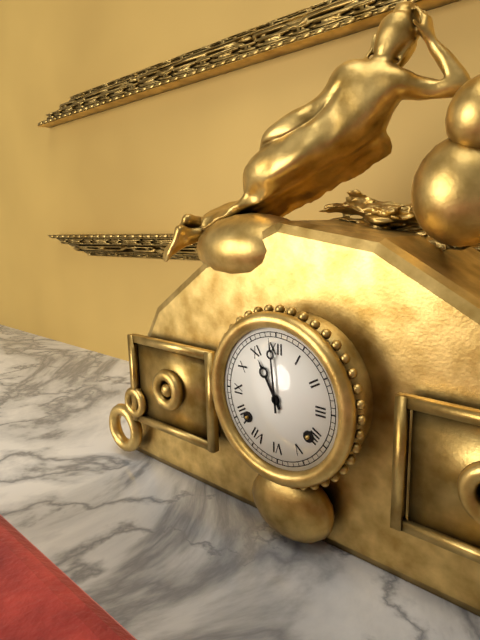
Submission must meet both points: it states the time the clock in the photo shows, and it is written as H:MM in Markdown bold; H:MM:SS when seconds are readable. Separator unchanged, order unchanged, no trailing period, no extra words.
**10:59**
